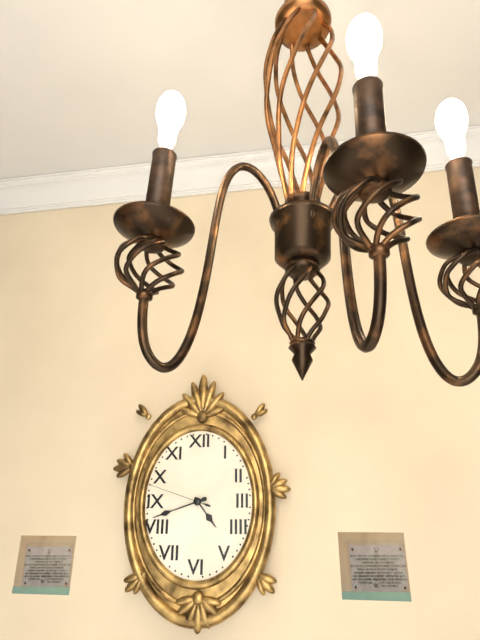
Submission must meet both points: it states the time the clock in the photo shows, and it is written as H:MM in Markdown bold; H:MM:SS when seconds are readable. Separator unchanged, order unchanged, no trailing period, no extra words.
**4:42:48**
